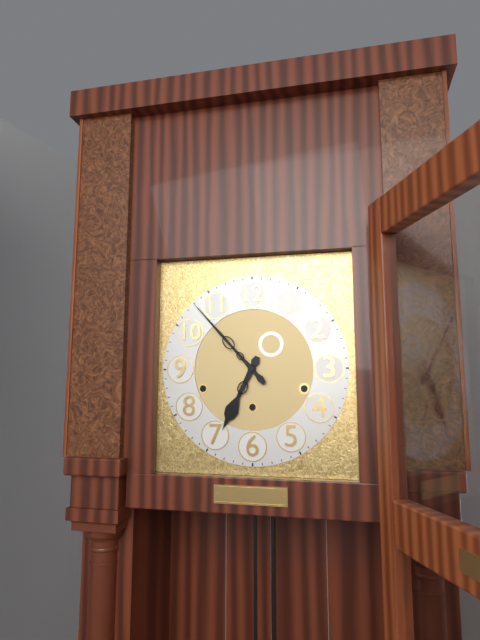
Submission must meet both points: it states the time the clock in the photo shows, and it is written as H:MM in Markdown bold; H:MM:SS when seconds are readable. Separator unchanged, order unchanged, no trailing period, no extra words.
**6:53**
